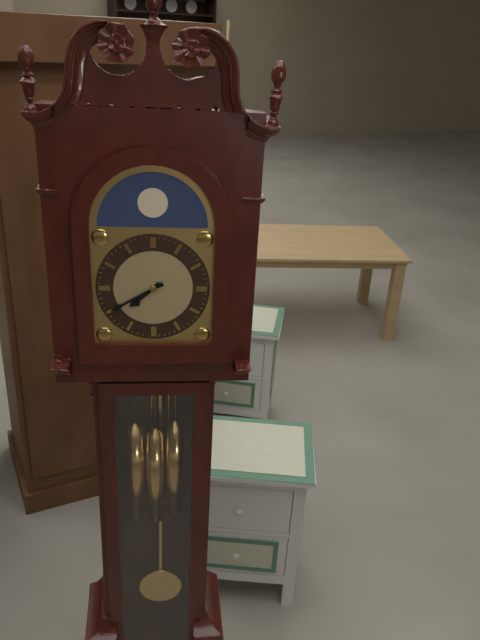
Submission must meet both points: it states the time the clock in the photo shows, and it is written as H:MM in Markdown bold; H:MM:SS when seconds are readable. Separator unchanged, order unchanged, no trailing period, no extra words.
**7:40**
